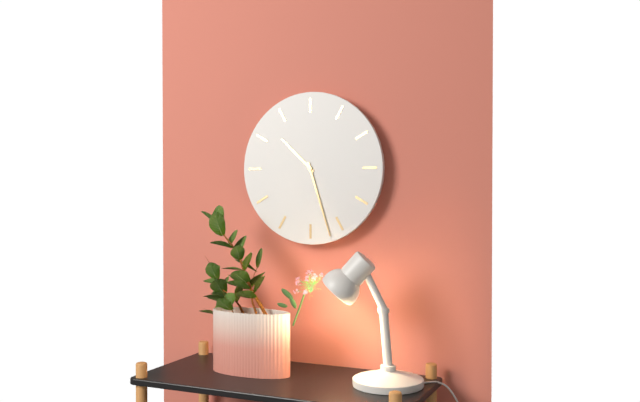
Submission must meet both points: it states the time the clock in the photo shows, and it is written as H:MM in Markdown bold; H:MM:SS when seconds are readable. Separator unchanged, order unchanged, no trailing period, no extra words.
**10:27**
